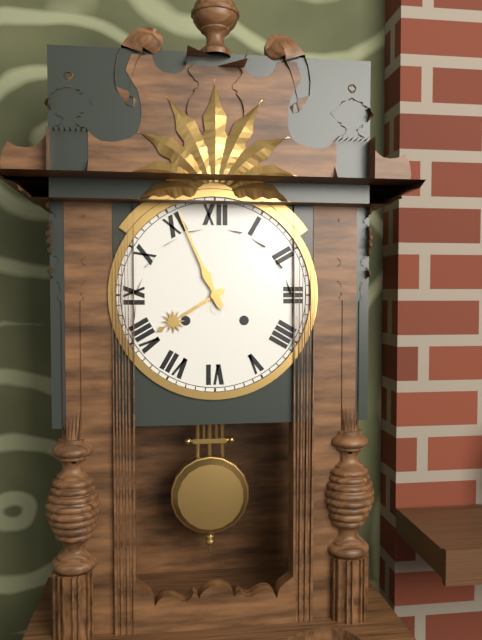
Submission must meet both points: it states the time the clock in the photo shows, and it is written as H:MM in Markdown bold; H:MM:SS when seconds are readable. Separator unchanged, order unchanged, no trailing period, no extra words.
**7:56**
